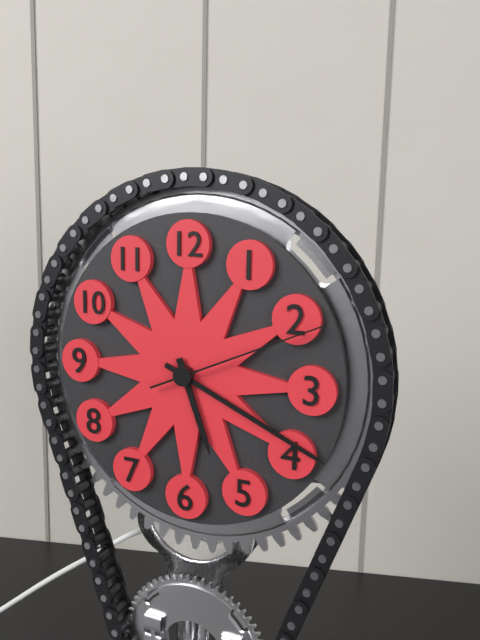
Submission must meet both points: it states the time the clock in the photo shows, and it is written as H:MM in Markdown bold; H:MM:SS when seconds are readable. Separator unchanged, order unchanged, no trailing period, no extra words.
**5:19:11**
